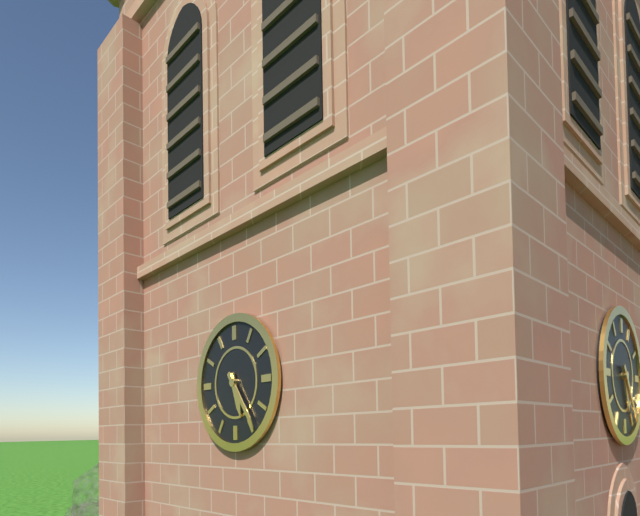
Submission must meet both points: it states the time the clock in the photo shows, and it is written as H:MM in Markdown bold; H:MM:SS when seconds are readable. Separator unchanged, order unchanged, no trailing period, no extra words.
**5:24**
